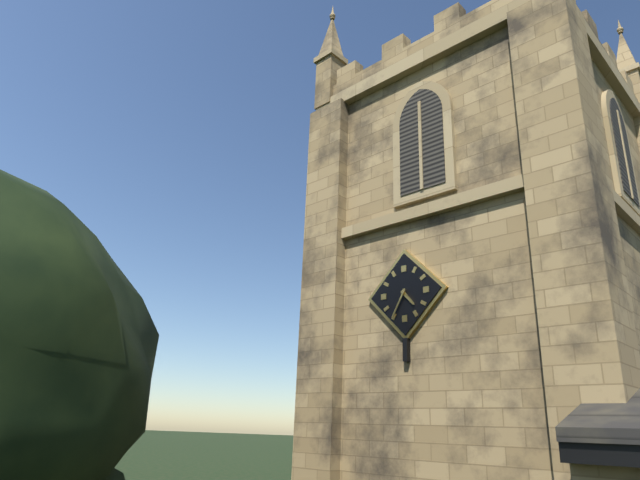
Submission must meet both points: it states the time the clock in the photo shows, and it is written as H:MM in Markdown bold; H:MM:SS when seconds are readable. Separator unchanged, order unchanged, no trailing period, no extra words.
**4:35**
